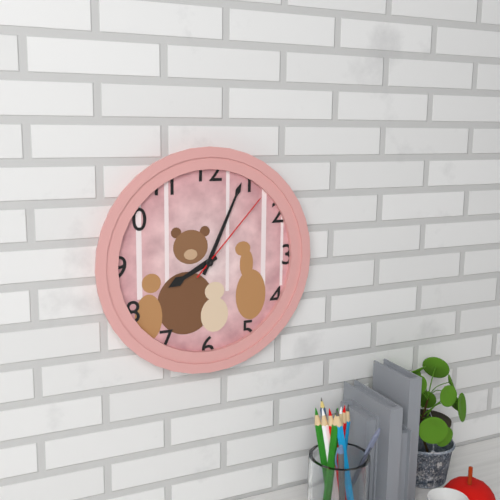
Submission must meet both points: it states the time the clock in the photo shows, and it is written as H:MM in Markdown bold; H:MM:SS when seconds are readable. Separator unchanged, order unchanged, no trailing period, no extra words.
**8:04:07**
